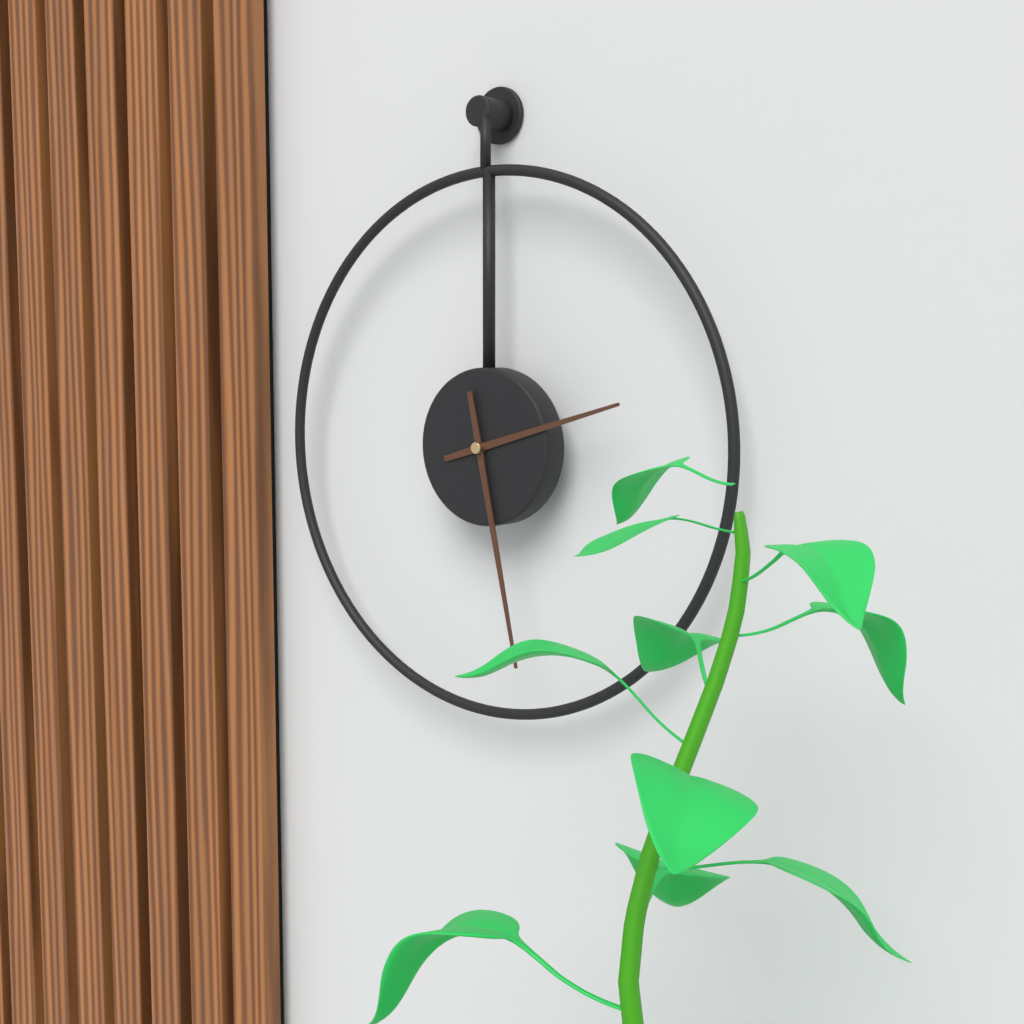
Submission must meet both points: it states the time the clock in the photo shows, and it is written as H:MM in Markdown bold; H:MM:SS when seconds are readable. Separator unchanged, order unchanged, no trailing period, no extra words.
**2:28**
